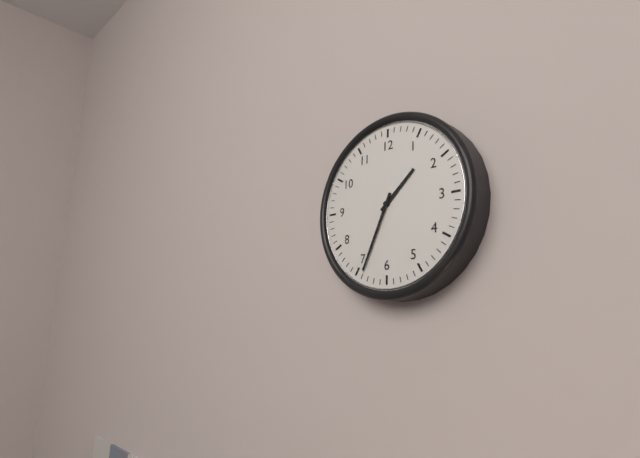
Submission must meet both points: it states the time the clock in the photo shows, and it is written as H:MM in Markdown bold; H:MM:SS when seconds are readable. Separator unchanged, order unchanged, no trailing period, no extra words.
**1:34**
